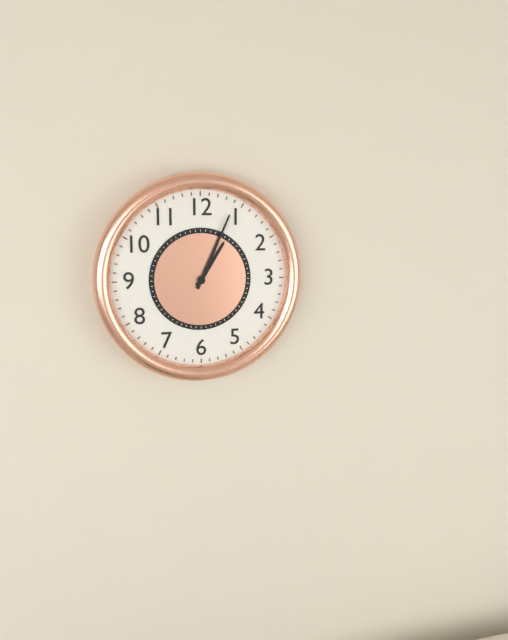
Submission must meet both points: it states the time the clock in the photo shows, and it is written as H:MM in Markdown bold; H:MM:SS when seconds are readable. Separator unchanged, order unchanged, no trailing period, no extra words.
**1:04**
